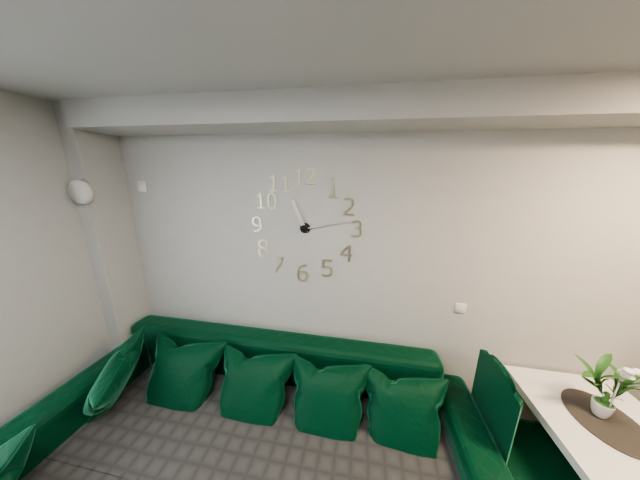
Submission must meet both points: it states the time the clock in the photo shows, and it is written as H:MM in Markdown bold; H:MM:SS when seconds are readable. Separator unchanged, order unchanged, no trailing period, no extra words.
**11:13**
